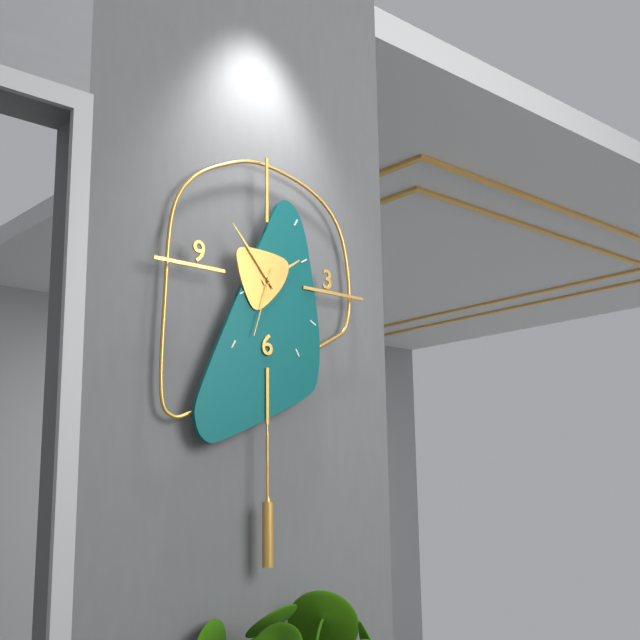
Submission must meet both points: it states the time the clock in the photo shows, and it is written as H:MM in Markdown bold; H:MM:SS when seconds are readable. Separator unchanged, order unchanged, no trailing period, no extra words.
**1:53:33**
